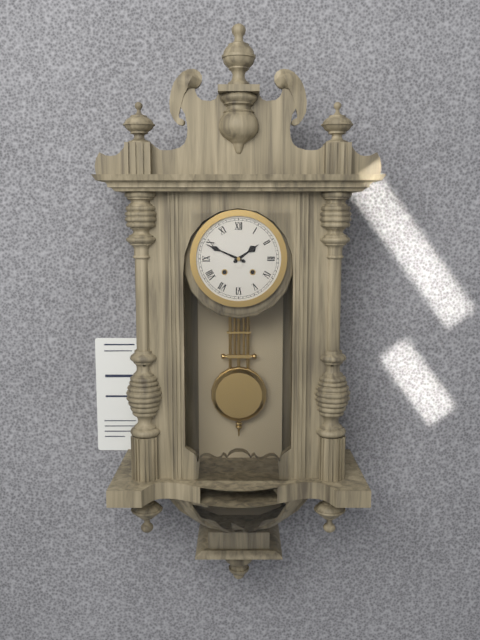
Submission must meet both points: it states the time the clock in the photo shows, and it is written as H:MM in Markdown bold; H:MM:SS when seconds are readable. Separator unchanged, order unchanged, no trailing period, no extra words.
**1:49**
